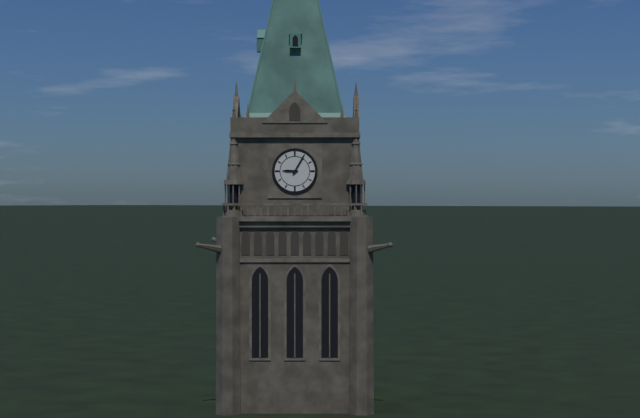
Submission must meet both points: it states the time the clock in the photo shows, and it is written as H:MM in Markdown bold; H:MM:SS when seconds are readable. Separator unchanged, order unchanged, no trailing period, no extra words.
**9:05**
